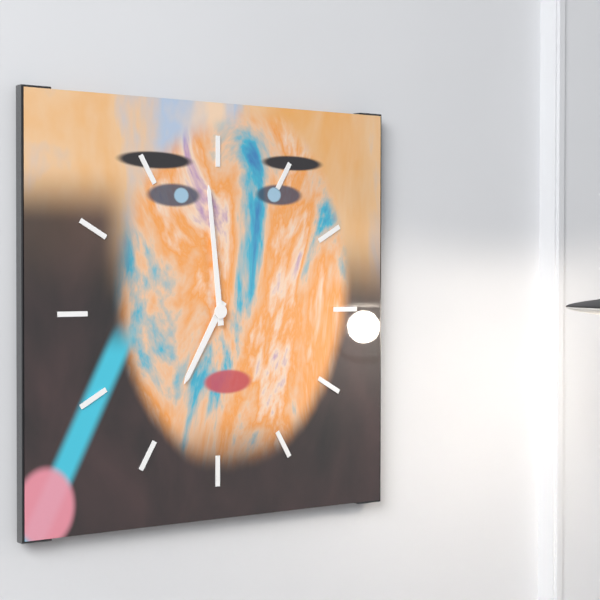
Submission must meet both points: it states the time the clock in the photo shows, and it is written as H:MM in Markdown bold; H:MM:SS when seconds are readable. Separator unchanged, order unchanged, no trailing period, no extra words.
**6:59**
